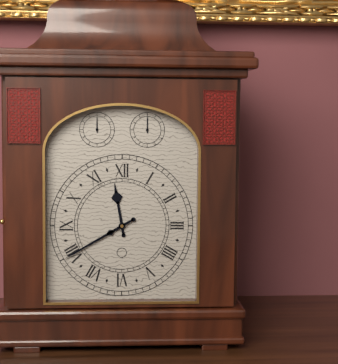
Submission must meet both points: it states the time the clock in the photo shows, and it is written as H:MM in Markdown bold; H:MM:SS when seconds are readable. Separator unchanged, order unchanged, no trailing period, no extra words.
**11:40**
